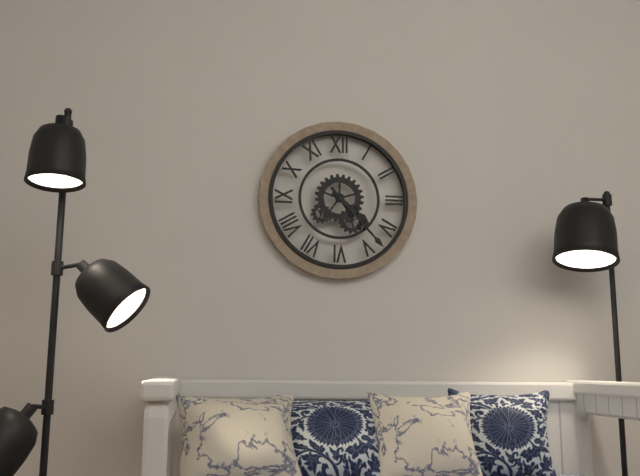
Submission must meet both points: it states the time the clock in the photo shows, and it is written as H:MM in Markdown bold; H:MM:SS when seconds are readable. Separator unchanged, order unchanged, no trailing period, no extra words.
**4:23**
